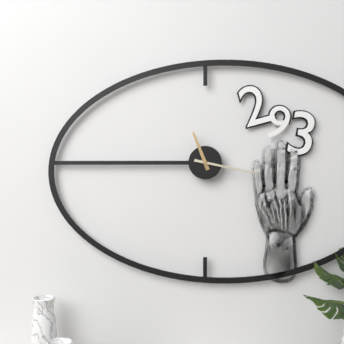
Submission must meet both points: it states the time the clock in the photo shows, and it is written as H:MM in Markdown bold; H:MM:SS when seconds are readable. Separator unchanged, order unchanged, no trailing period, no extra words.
**11:17**
